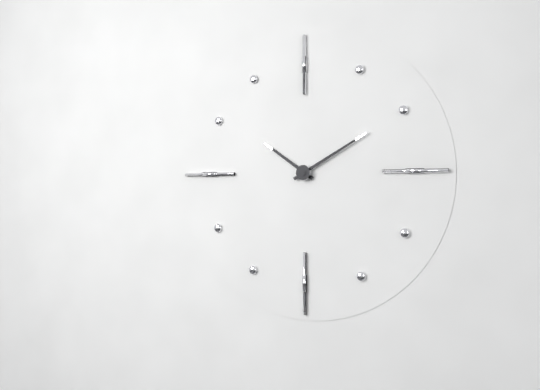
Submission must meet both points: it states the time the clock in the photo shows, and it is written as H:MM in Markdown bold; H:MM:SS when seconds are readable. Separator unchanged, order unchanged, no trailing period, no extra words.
**10:10**
